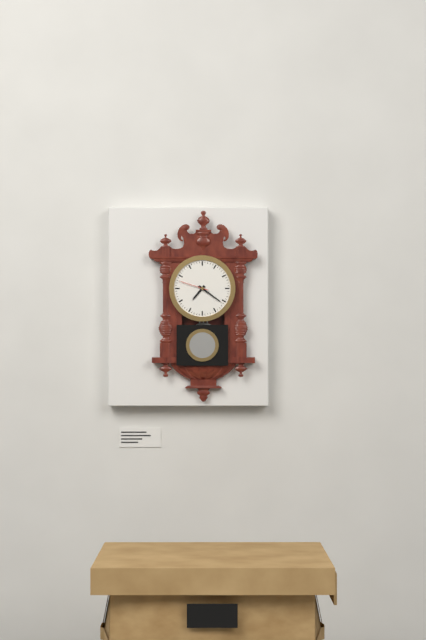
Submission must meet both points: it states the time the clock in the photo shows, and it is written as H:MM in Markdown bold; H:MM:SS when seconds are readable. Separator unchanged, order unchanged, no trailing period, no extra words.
**7:21**
